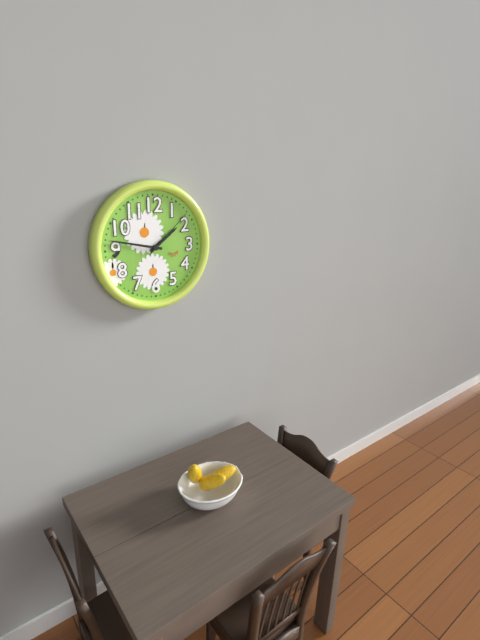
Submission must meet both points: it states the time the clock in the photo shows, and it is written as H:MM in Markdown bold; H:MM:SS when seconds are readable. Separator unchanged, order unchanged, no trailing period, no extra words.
**1:47:08**
